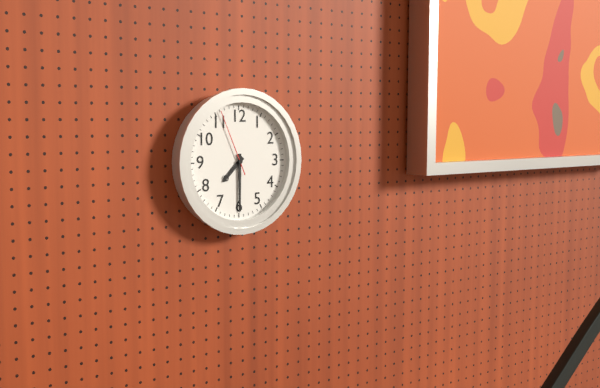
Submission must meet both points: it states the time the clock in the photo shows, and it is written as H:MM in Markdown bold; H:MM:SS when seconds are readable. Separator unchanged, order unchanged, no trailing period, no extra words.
**7:30:56**
